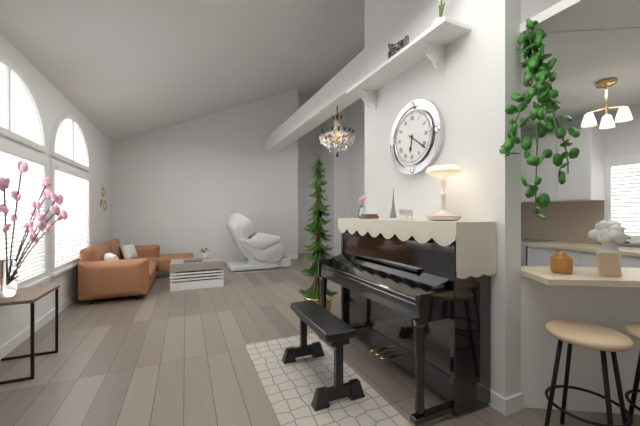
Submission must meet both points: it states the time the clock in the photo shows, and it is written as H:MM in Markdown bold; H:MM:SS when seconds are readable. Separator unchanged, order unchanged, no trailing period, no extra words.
**6:21**
